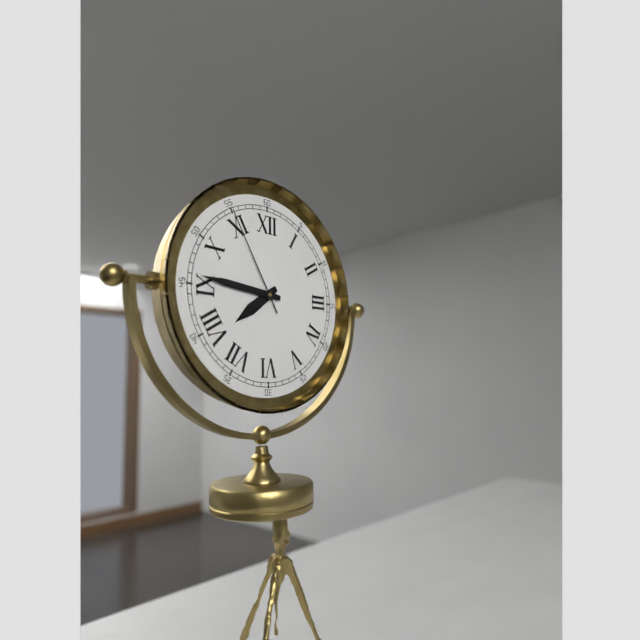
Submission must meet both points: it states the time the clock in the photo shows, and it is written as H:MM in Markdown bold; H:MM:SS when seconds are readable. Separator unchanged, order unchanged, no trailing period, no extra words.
**7:46:55**
